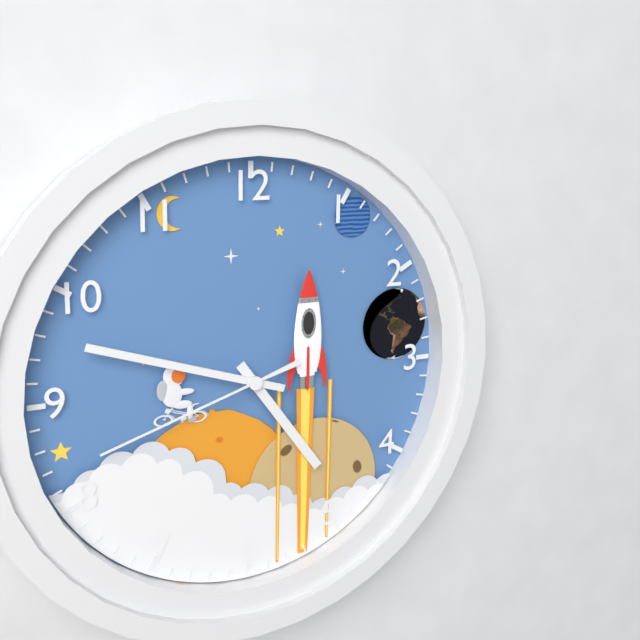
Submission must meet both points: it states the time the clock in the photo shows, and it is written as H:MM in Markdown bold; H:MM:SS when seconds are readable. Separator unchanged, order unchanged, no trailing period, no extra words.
**4:48:42**
